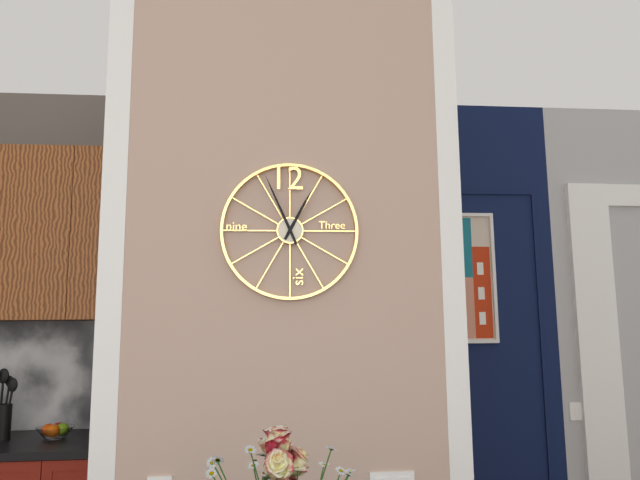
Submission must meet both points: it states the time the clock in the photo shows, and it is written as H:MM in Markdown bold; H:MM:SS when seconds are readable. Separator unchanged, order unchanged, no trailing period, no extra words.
**12:56**
